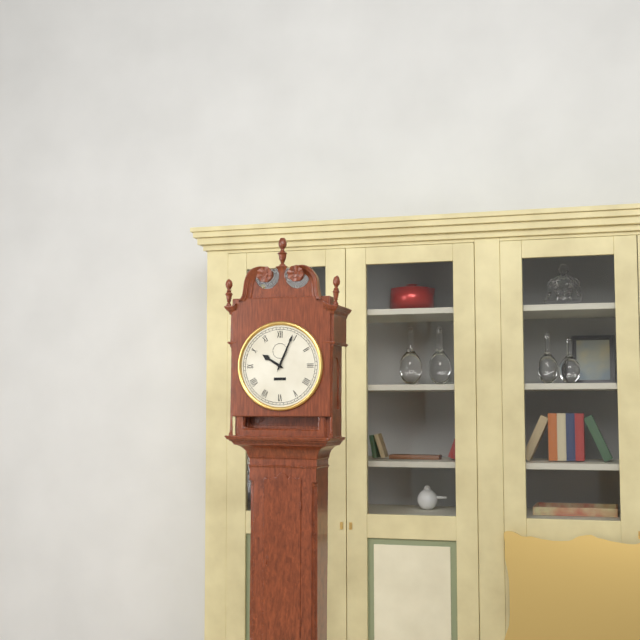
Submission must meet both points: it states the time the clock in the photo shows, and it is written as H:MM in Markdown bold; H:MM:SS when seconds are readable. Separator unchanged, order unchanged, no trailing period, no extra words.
**10:04**
